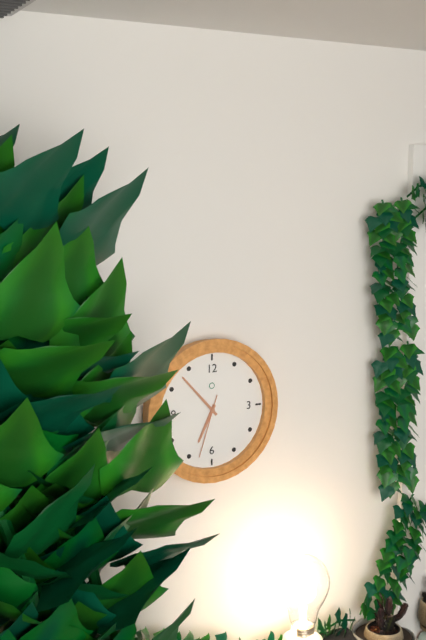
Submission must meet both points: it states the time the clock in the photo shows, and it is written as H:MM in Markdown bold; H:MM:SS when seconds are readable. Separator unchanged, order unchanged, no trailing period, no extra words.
**6:53:33**
